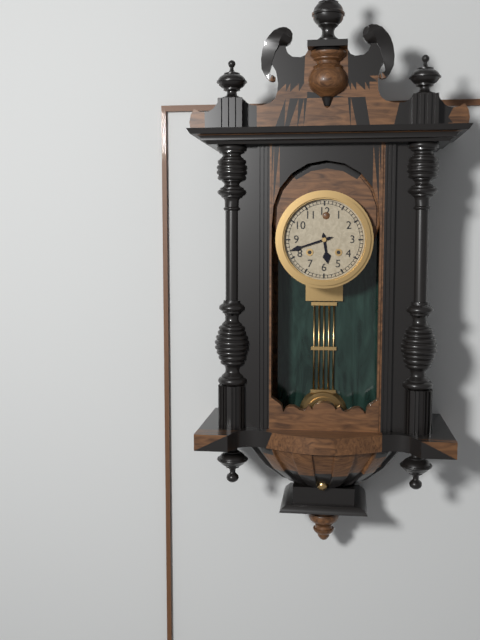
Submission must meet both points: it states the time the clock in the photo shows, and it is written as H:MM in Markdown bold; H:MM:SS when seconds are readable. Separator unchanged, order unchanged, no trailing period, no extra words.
**5:42**
